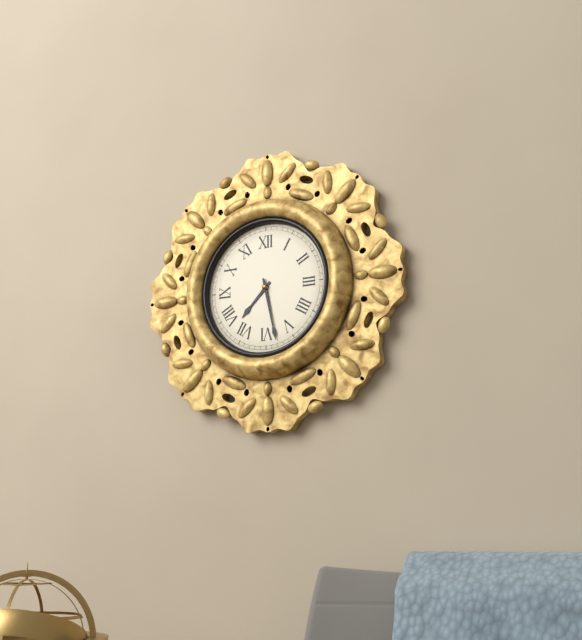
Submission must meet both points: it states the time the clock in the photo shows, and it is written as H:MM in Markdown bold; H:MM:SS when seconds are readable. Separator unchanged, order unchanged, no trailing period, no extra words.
**7:28**
